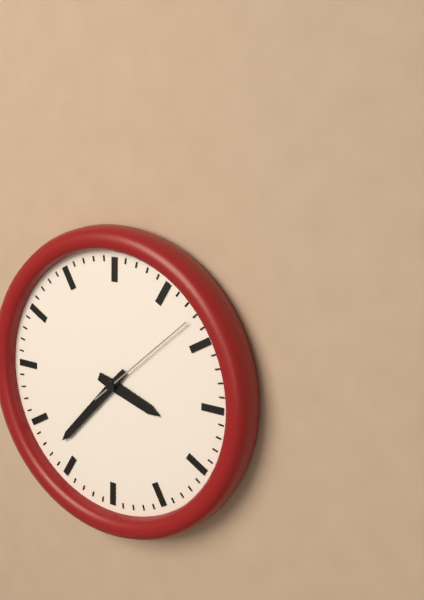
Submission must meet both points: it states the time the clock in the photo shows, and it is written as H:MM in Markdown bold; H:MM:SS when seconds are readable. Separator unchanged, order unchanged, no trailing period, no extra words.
**3:37:08**
